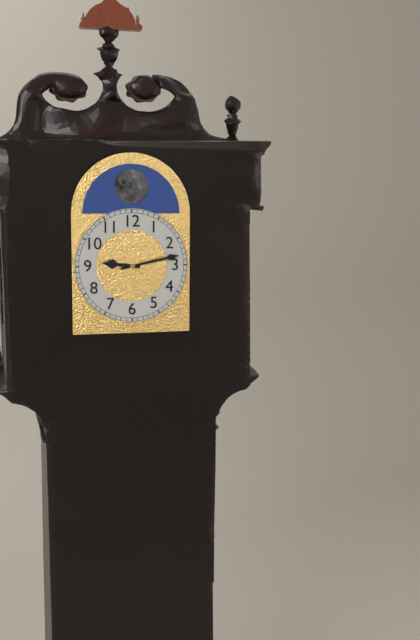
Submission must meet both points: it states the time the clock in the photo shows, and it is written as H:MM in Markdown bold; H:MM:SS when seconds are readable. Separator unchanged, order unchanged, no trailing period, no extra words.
**9:13**
